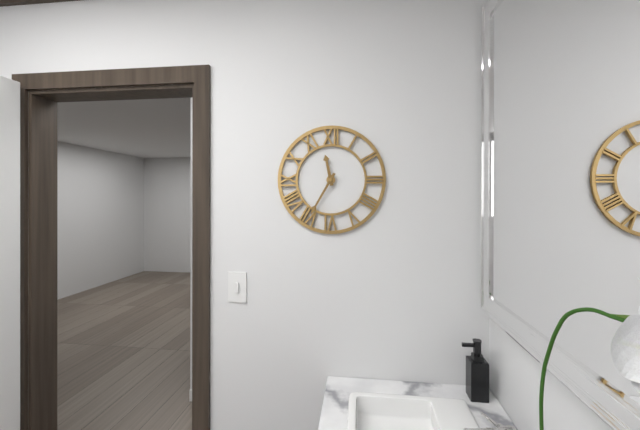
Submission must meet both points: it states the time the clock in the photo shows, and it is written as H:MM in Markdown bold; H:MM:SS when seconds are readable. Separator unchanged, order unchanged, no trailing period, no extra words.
**11:35**
